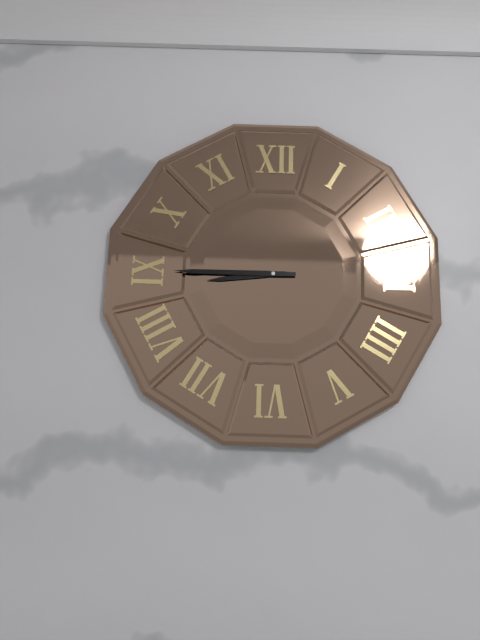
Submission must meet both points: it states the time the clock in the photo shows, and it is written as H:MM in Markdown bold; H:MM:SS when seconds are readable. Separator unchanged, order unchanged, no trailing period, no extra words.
**8:45**
